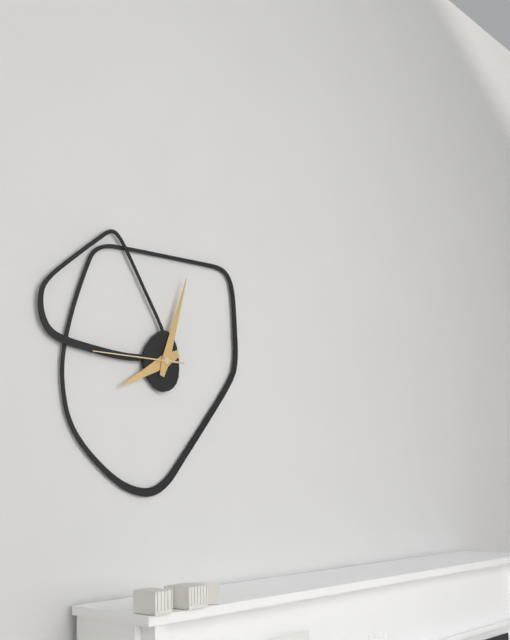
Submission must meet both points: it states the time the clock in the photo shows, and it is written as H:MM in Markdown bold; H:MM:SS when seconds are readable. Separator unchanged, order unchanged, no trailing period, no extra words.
**8:03:45**
